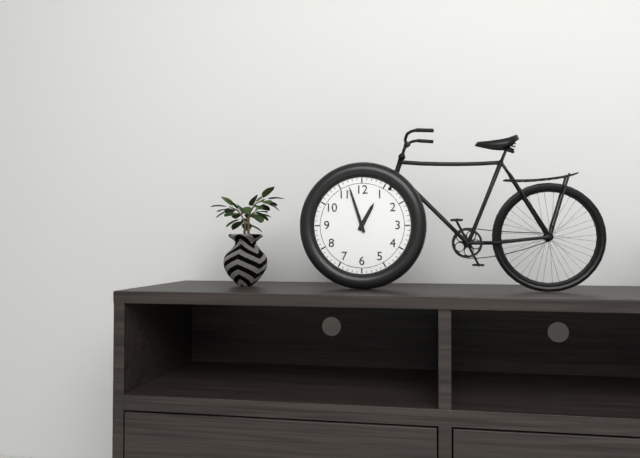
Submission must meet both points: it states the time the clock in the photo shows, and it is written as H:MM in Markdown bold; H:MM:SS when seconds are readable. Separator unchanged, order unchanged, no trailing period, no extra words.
**12:57**
